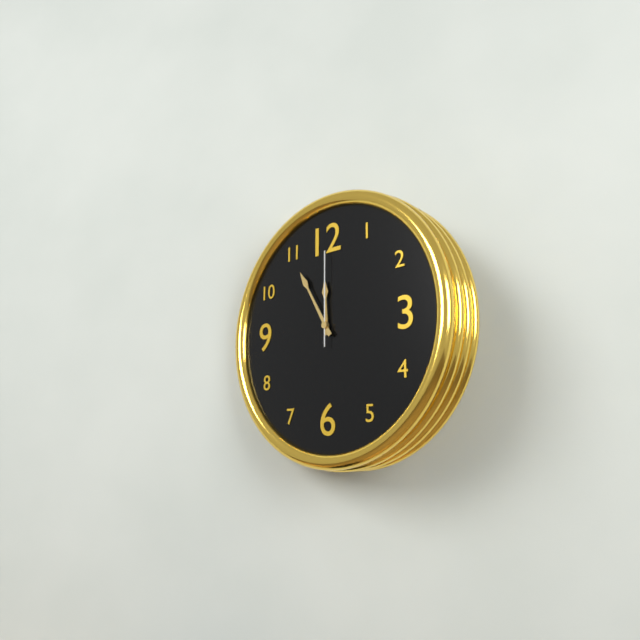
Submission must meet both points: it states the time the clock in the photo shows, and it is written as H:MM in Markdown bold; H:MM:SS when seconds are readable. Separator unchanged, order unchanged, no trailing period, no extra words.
**11:55:00**
